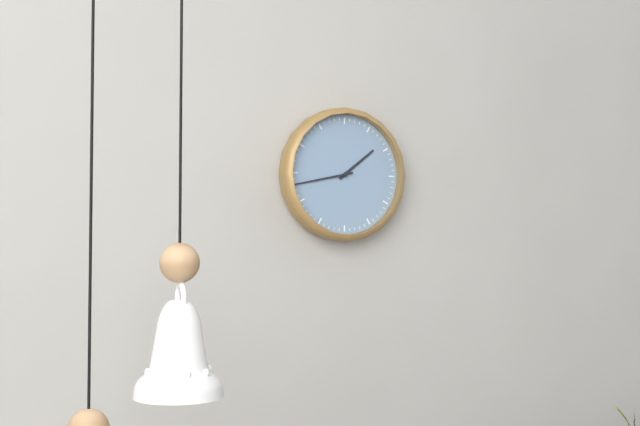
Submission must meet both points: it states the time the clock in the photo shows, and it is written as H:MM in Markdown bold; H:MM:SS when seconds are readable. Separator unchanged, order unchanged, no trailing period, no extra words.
**1:43**
